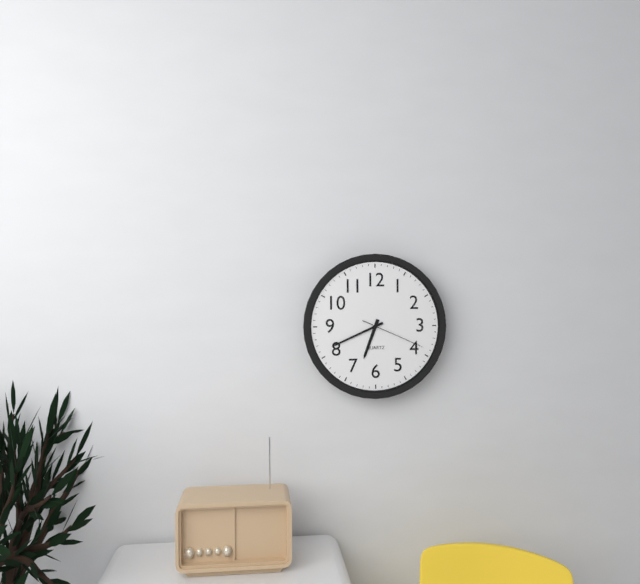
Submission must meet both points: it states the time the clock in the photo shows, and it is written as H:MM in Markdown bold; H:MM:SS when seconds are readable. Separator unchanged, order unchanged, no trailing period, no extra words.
**6:41:19**
